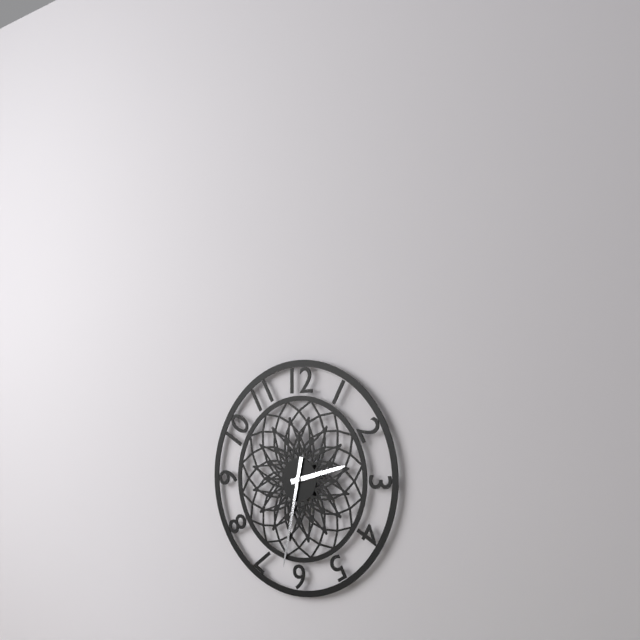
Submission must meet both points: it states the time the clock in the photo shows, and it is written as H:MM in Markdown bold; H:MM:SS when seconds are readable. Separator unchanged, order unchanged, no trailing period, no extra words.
**2:32**
